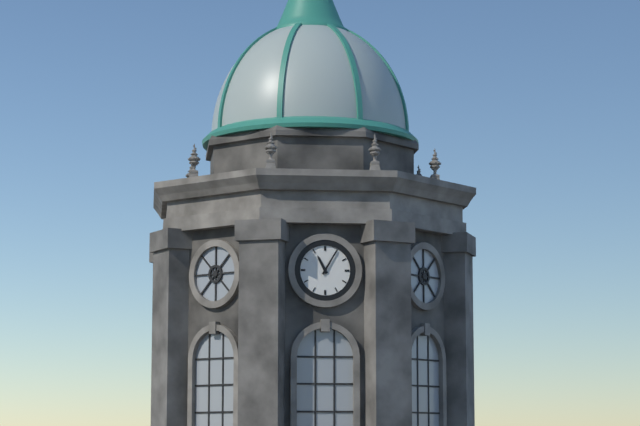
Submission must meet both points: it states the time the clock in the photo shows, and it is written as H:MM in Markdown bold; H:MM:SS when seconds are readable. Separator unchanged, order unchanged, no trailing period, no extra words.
**11:05**
